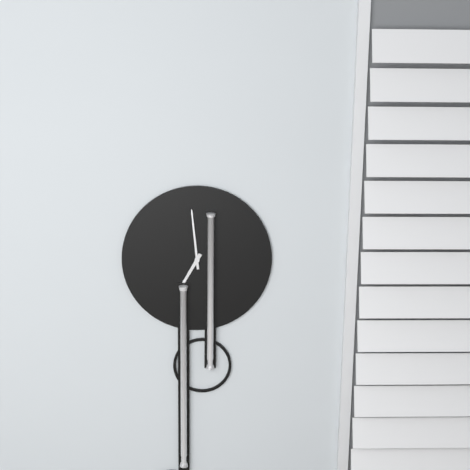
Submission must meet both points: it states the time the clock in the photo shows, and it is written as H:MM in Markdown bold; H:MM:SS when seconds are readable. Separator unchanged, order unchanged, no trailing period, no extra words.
**6:59**
